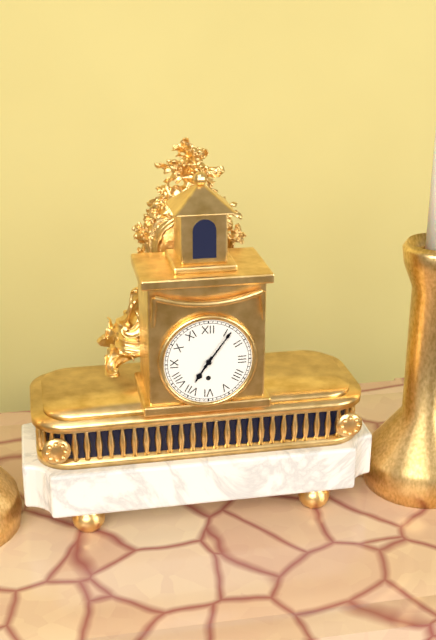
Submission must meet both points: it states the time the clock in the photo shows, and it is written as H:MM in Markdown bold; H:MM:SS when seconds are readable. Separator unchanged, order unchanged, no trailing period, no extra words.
**7:06**
